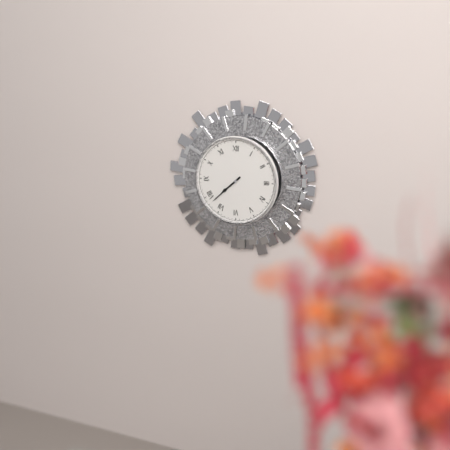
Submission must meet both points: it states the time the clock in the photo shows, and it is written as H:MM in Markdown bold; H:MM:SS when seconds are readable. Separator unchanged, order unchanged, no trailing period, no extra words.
**7:38**
